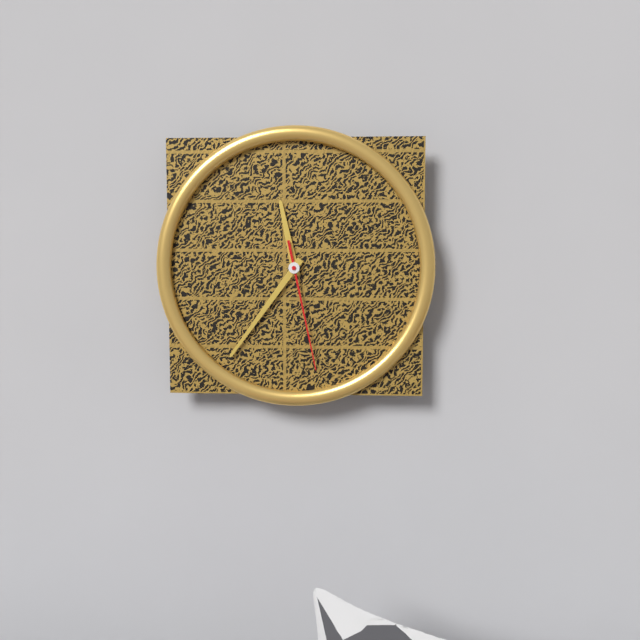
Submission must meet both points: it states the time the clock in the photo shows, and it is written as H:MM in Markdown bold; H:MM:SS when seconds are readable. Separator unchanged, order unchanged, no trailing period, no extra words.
**11:36:28**
